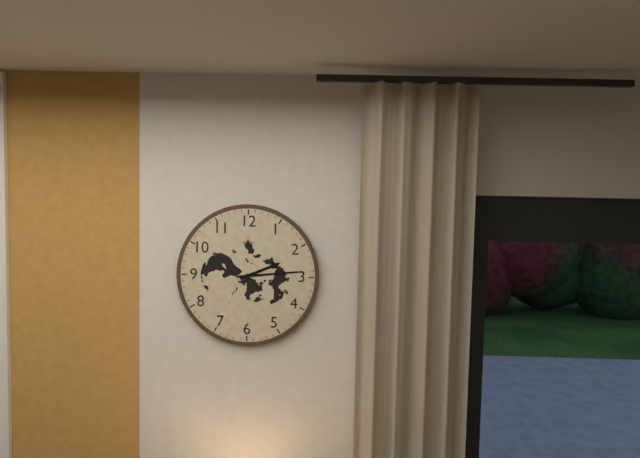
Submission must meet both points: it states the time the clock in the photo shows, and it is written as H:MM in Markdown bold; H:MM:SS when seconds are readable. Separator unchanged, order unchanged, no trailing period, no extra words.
**2:14**
